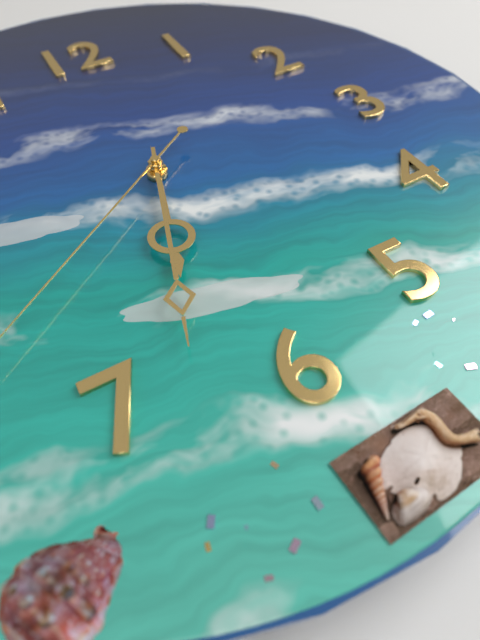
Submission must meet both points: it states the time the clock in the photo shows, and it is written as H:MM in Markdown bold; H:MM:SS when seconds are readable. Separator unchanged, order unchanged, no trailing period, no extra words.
**6:33**
